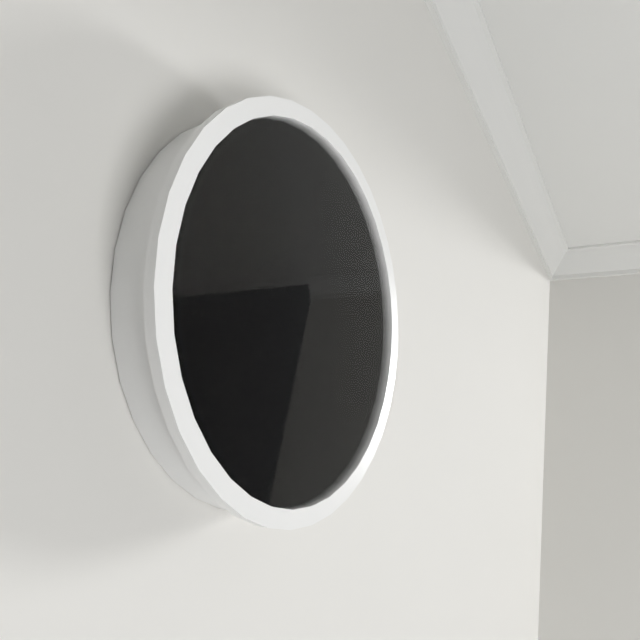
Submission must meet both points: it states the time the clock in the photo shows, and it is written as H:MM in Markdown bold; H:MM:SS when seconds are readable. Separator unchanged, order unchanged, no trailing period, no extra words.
**10:36**
